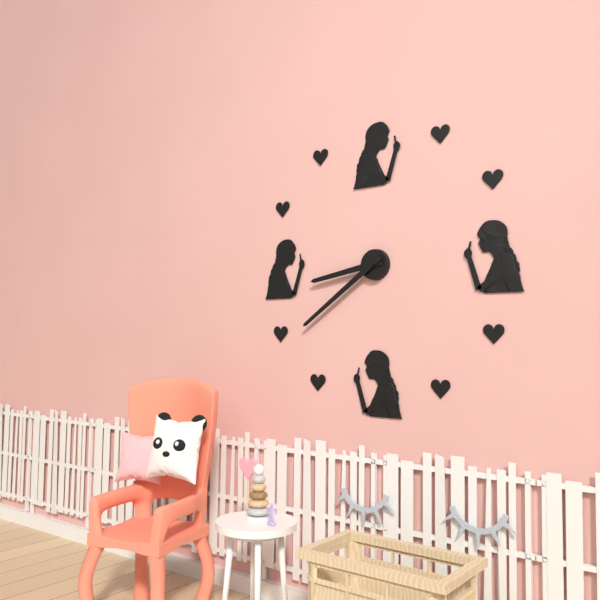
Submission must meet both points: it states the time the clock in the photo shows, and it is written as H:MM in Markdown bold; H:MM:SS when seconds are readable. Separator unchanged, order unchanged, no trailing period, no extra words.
**8:39**
